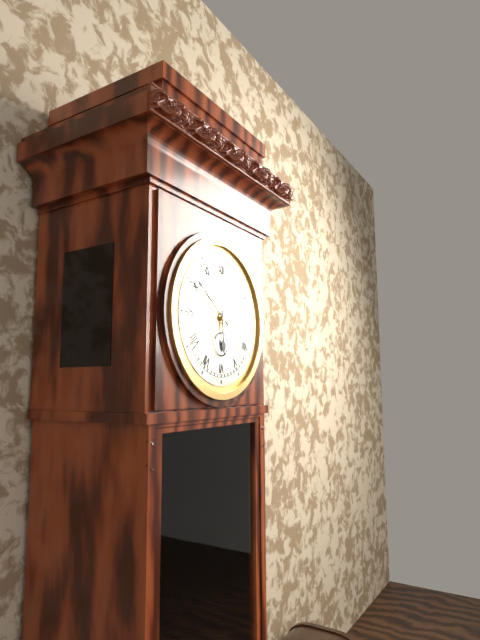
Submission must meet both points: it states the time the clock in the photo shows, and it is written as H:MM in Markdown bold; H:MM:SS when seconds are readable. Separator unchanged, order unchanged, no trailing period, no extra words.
**5:51**
